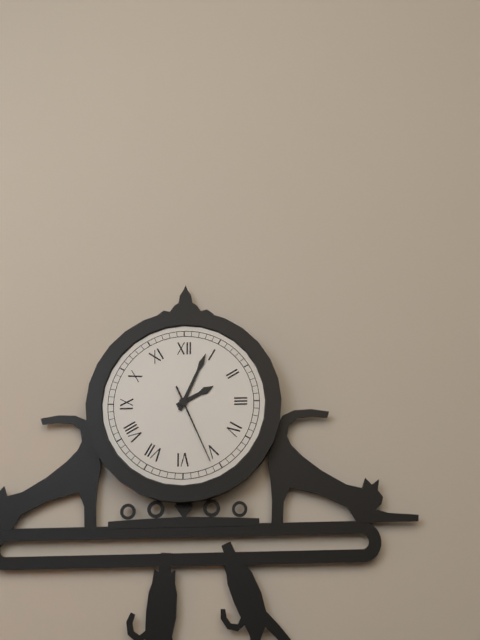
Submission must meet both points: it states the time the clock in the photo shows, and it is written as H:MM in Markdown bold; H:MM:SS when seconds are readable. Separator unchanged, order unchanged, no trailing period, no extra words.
**2:04:26**
